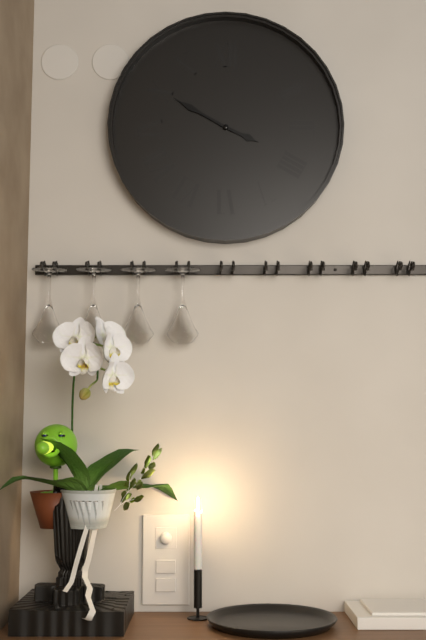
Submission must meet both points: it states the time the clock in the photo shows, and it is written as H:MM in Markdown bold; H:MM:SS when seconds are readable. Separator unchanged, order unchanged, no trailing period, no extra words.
**3:50**
